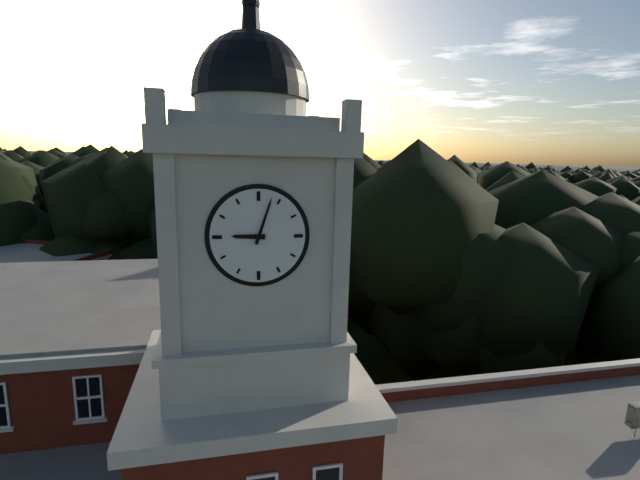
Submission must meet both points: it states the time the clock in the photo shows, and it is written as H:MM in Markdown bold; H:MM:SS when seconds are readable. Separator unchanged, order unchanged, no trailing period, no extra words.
**9:03**
